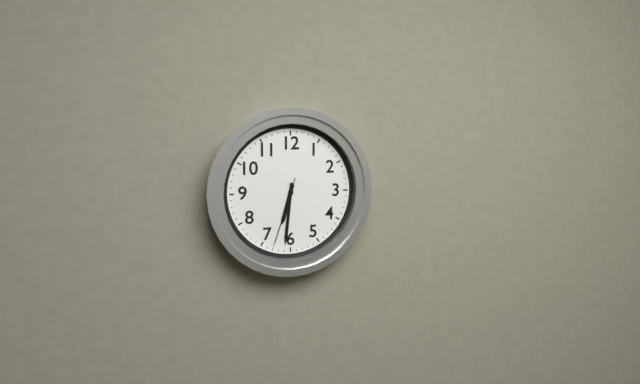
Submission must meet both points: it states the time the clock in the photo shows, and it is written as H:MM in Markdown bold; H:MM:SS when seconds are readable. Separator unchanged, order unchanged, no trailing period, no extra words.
**6:31:33**
